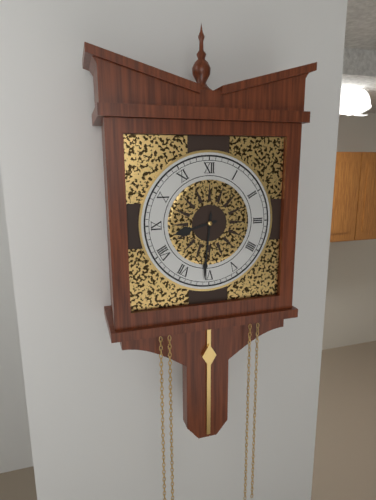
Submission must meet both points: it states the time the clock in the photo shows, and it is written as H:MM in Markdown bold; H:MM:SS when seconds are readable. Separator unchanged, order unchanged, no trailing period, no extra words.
**8:31**
